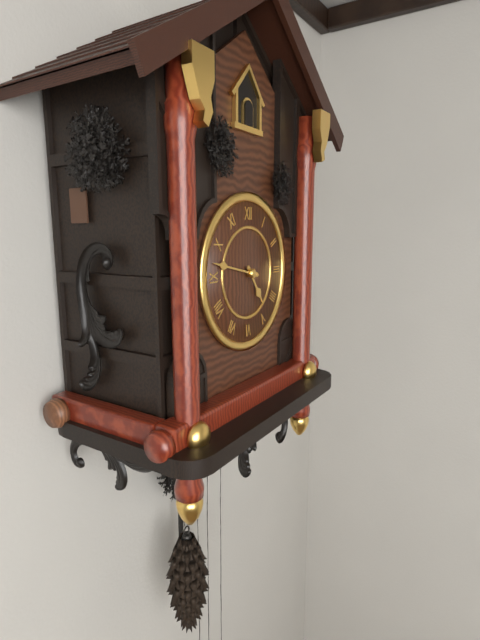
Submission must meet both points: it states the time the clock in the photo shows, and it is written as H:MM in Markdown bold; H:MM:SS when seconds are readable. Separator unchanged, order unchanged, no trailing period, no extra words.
**4:47**
